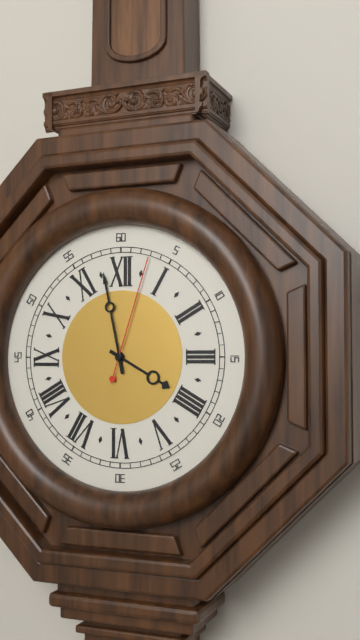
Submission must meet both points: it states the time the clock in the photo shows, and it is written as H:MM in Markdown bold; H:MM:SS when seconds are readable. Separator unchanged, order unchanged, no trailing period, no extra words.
**3:58:03**
